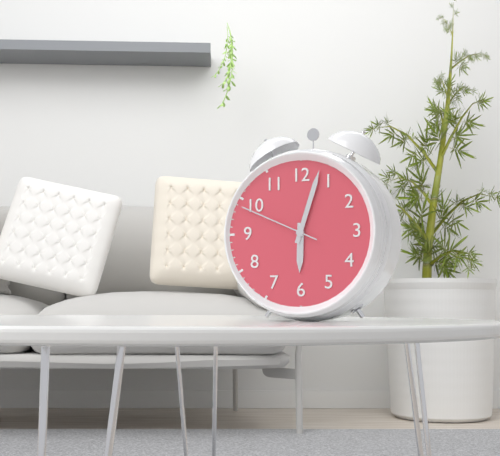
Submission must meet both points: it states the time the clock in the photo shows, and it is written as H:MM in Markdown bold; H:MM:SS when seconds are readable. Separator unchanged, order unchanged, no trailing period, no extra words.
**6:03:49**
